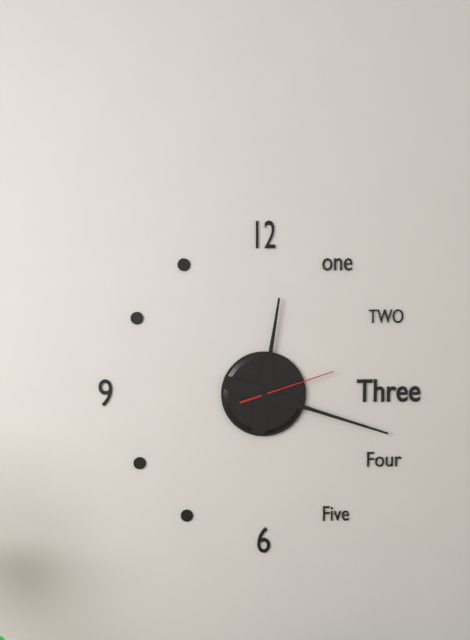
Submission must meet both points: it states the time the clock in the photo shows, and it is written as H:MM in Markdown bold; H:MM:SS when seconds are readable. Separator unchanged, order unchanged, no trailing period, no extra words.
**12:18:12**
